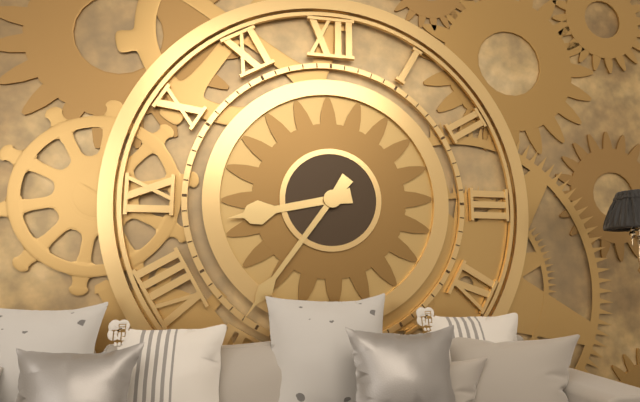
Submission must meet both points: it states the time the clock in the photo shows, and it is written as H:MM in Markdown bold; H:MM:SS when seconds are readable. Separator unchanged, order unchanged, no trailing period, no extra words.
**8:36**
